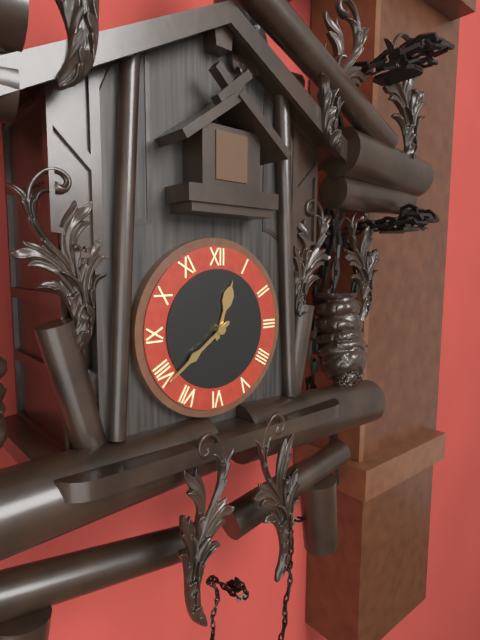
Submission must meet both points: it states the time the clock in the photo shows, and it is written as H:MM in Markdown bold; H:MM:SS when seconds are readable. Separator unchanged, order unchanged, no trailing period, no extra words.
**12:39**
